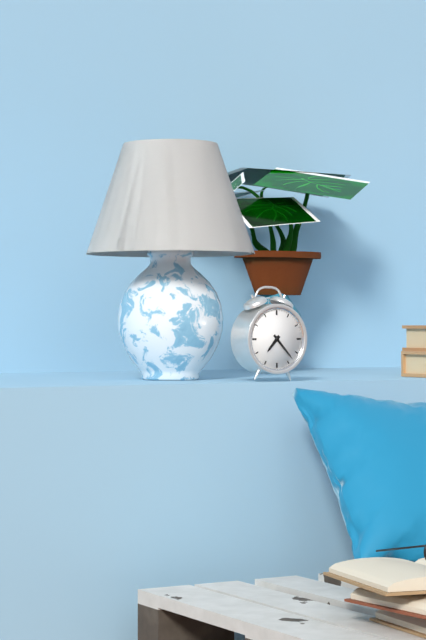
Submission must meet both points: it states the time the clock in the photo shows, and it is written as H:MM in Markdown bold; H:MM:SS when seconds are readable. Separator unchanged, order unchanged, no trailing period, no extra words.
**7:23**
